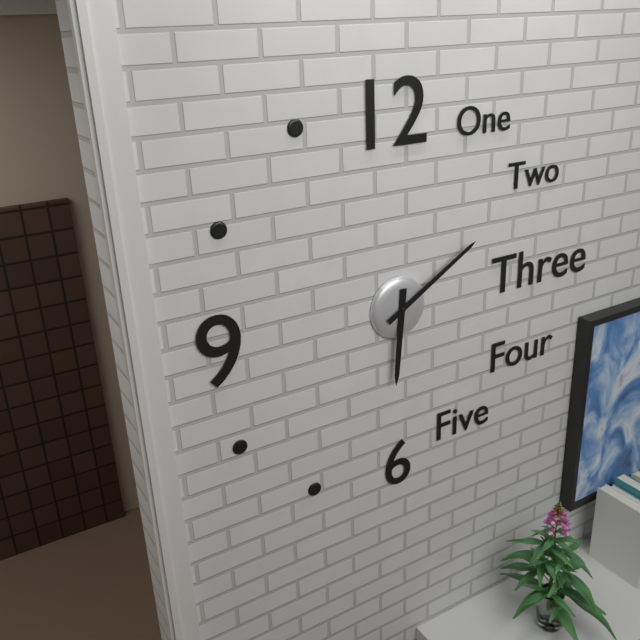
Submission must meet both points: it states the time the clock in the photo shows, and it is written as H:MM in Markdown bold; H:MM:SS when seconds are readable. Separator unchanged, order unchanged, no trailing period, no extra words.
**6:10**
